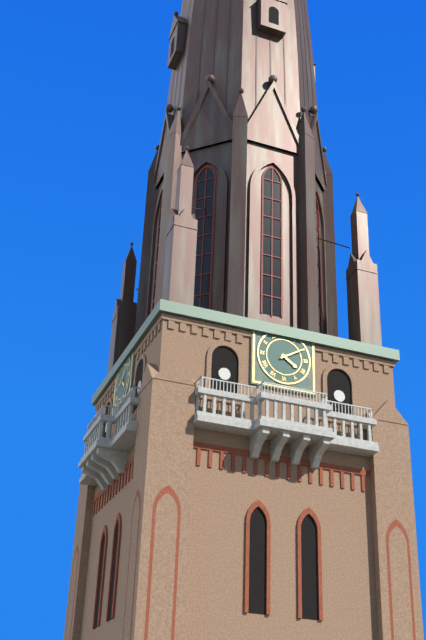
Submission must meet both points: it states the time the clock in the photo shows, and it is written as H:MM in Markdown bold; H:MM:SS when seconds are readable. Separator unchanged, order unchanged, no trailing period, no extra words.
**4:10**
